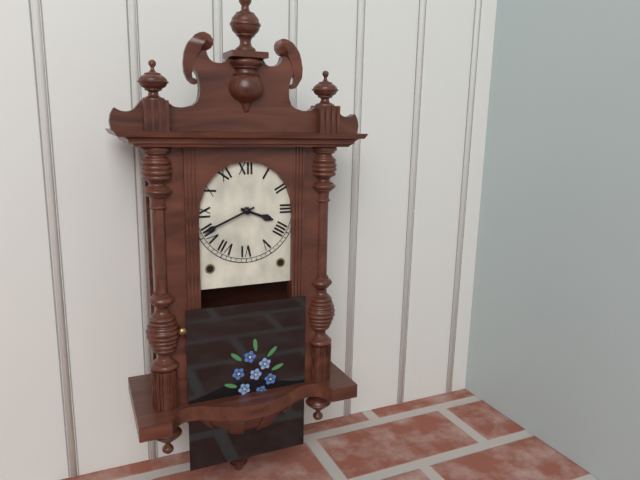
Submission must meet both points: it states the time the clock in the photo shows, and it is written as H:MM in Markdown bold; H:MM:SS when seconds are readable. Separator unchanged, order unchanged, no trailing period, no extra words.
**3:41**
